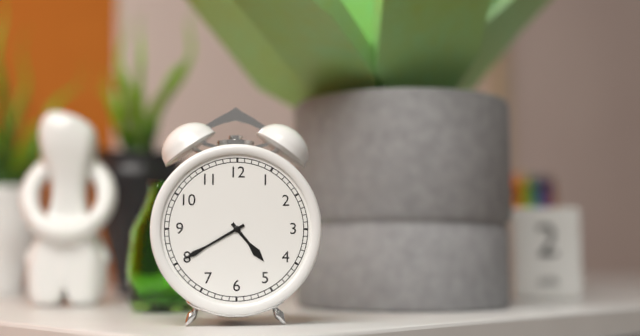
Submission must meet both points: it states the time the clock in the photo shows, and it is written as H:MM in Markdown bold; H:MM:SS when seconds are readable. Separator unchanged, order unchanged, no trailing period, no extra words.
**4:40**
